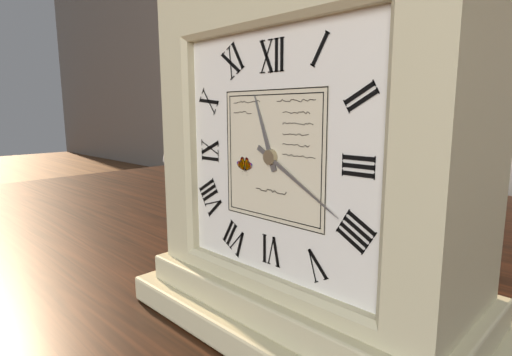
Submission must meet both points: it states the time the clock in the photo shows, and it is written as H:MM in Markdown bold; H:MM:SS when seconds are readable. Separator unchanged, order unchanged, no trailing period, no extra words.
**11:20**
